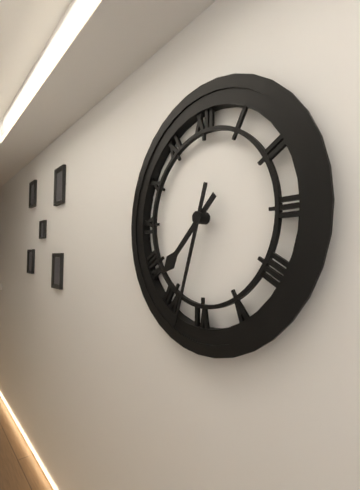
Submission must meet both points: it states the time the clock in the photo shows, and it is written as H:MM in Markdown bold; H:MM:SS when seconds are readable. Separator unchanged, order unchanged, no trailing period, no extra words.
**7:33**
